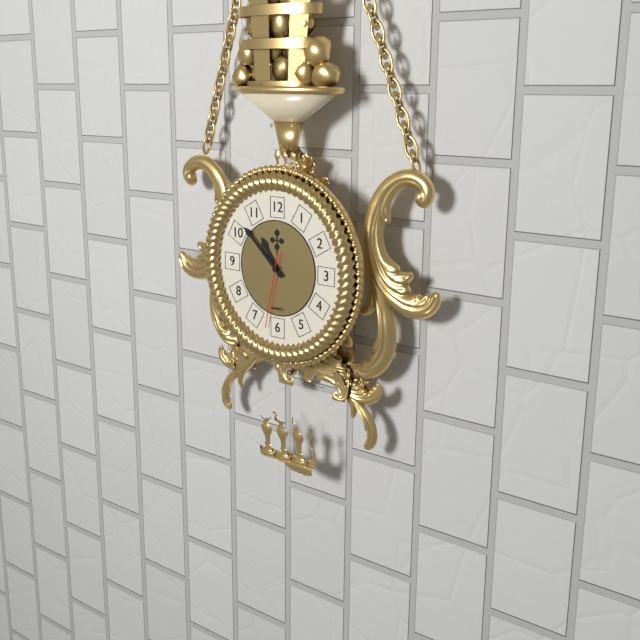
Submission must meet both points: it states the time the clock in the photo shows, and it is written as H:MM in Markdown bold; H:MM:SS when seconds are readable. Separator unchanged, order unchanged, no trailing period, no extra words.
**10:52:32**
